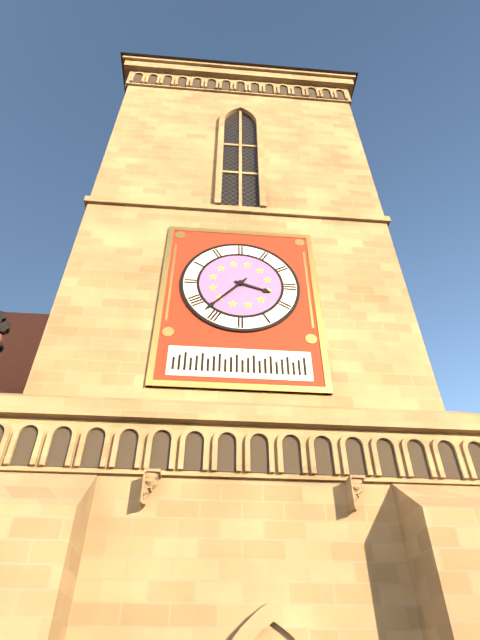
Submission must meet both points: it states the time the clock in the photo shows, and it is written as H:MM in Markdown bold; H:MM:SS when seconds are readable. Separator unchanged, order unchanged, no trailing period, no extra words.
**3:37**
